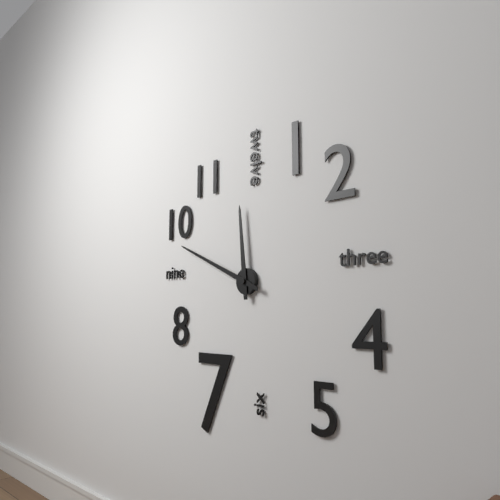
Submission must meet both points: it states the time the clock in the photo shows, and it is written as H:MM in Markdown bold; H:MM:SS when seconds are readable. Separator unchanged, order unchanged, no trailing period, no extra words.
**11:49**
